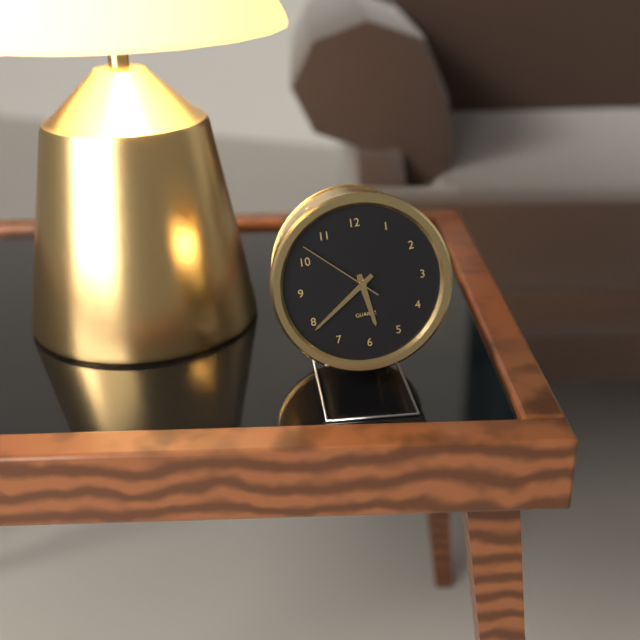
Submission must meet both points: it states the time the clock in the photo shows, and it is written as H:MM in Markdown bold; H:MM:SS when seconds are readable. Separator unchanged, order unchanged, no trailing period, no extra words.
**5:39:52**
